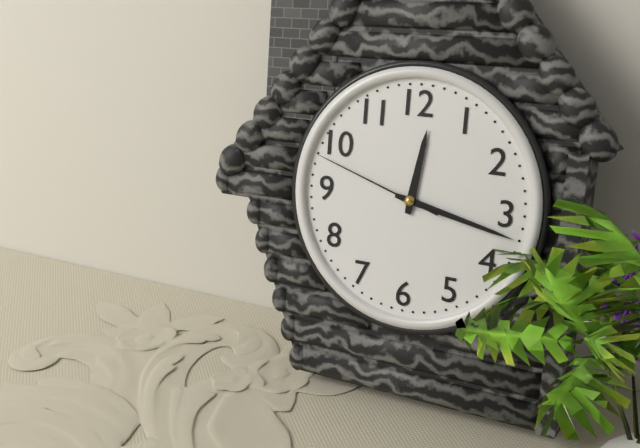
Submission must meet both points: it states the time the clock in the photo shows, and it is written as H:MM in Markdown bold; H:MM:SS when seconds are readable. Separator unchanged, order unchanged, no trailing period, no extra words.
**12:17:48**
